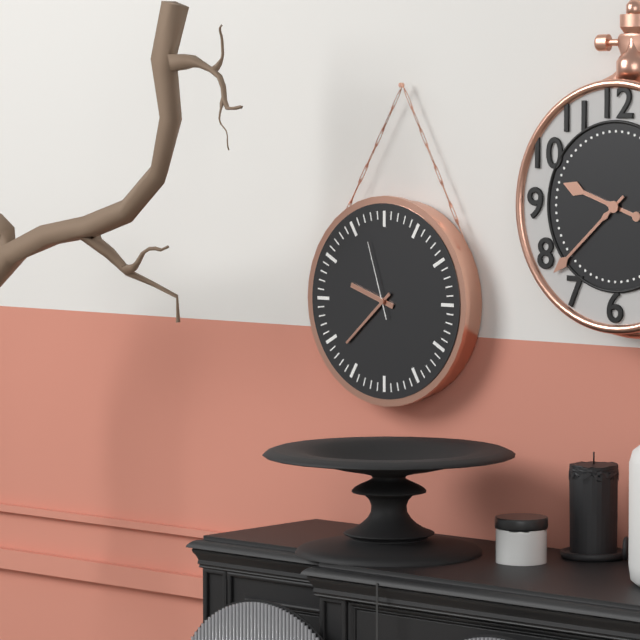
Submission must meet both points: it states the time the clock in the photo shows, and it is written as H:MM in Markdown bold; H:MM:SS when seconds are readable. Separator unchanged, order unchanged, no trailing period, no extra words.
**9:38:57**
